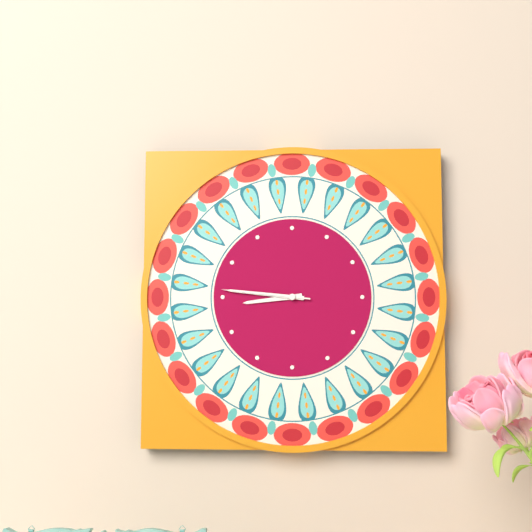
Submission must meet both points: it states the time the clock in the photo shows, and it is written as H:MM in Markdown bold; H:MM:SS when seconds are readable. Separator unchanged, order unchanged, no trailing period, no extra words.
**8:46:46**
